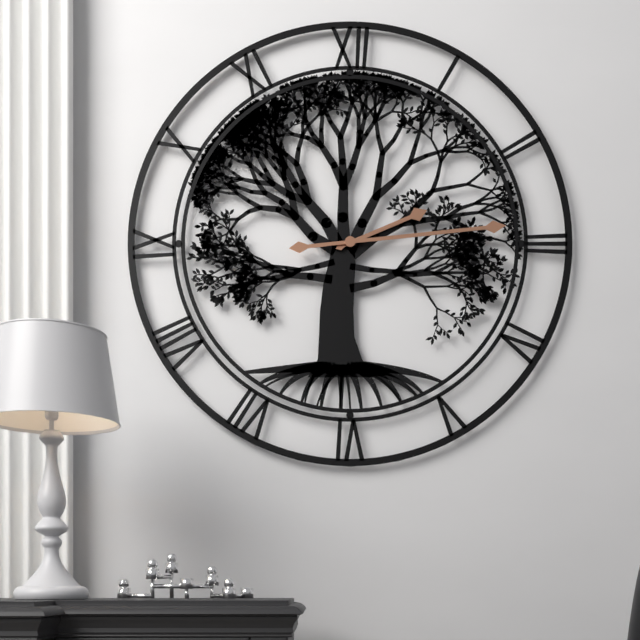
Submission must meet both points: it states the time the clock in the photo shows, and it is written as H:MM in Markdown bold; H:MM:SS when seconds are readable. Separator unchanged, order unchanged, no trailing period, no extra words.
**2:14**
